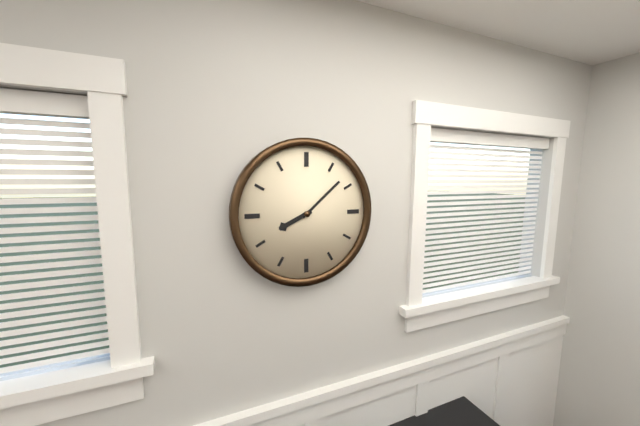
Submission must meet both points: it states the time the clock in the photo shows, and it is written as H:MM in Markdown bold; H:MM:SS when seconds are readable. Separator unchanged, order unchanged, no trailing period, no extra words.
**8:08**
